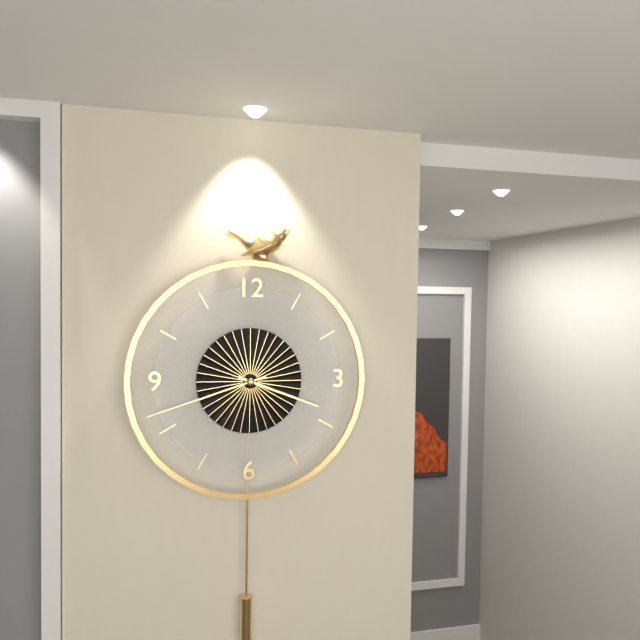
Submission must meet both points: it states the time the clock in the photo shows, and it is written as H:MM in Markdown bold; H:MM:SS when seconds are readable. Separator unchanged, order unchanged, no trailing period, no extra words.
**3:42**
